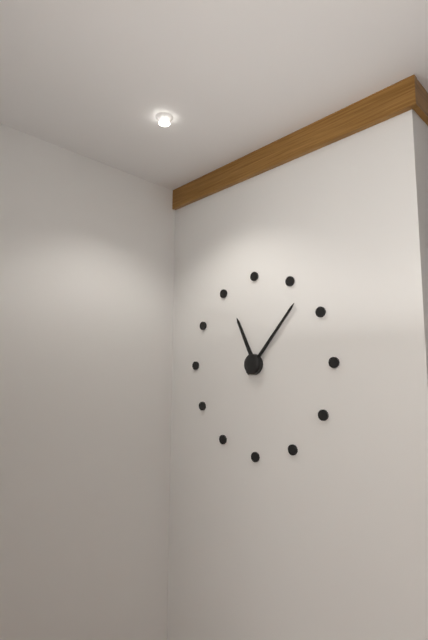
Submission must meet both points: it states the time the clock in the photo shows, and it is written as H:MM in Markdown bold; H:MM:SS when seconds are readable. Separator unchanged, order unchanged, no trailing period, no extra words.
**11:07**
